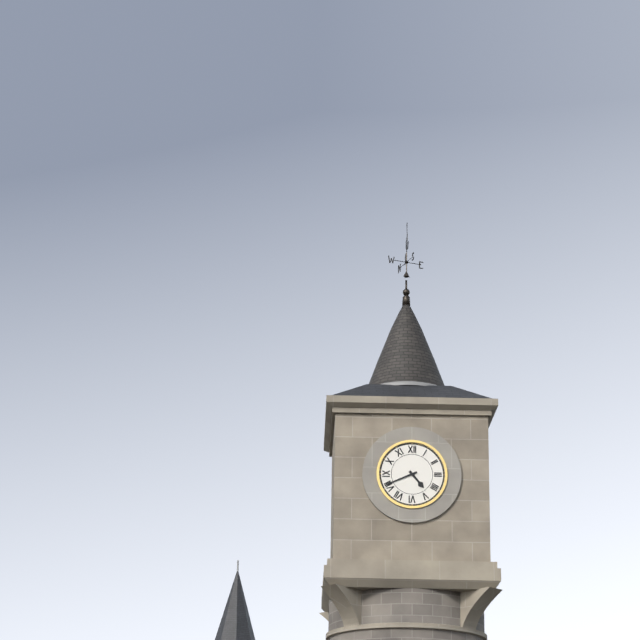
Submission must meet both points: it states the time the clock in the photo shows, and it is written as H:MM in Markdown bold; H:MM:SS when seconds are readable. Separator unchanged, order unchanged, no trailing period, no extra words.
**4:41**
